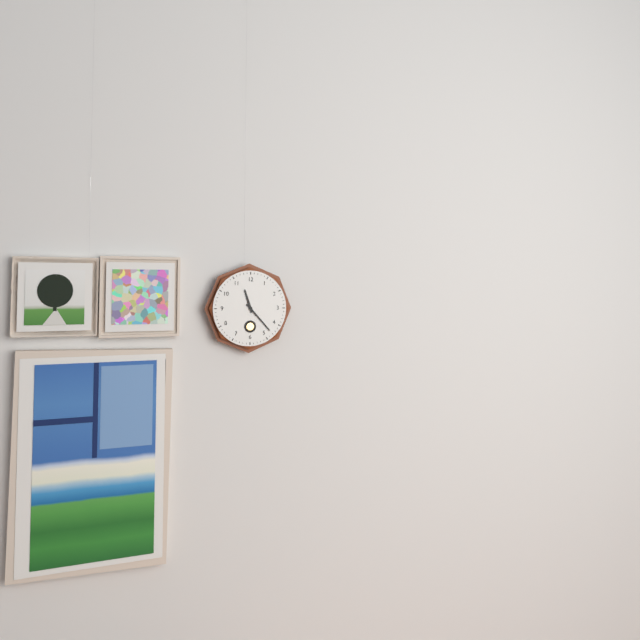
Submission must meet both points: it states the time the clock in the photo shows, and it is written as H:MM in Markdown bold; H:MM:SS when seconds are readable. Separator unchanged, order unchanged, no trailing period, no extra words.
**11:23**
